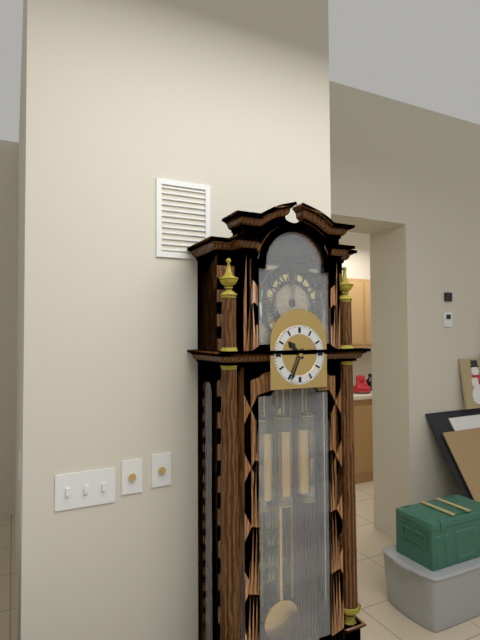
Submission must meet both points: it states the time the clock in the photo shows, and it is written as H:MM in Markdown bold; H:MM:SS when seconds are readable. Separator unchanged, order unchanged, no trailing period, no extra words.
**10:34**
